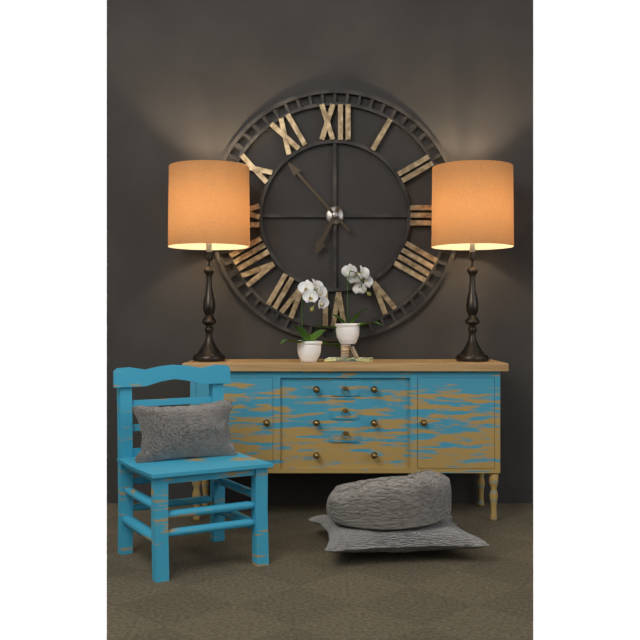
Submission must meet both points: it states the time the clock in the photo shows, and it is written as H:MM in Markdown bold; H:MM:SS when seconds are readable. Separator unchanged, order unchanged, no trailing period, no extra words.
**6:53**
